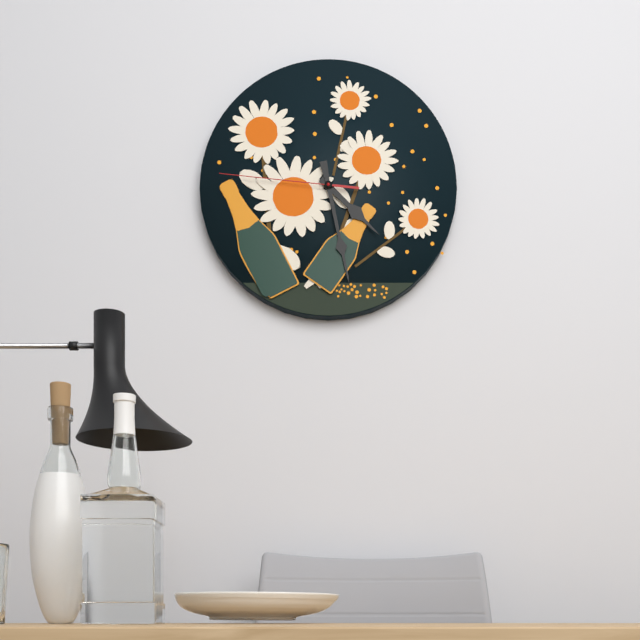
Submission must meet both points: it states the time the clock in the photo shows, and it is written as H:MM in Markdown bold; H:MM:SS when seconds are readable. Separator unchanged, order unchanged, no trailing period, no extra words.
**4:28:46**
